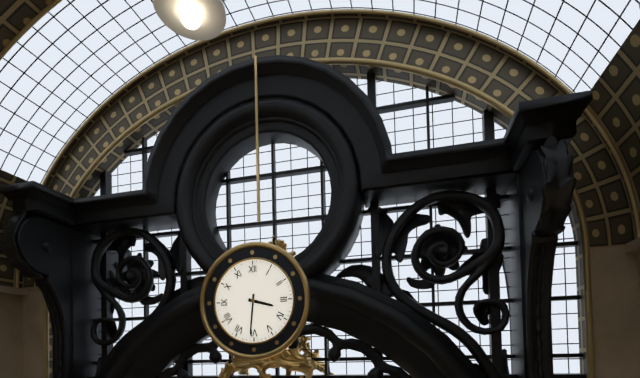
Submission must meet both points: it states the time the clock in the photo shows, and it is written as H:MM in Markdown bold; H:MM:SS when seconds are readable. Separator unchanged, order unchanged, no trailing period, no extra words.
**3:31**
